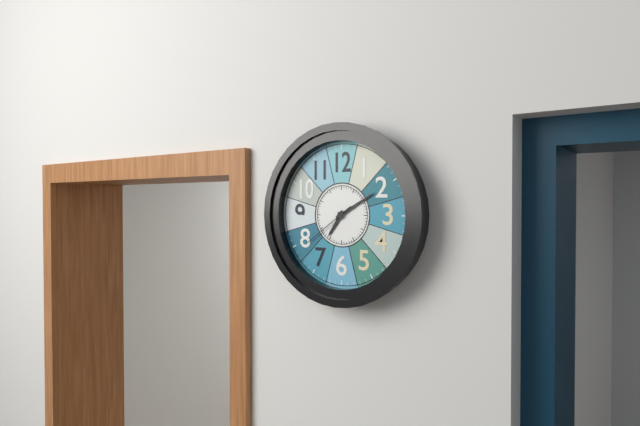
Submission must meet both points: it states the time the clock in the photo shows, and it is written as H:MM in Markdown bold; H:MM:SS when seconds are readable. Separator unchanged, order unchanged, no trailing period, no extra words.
**7:10:39**
